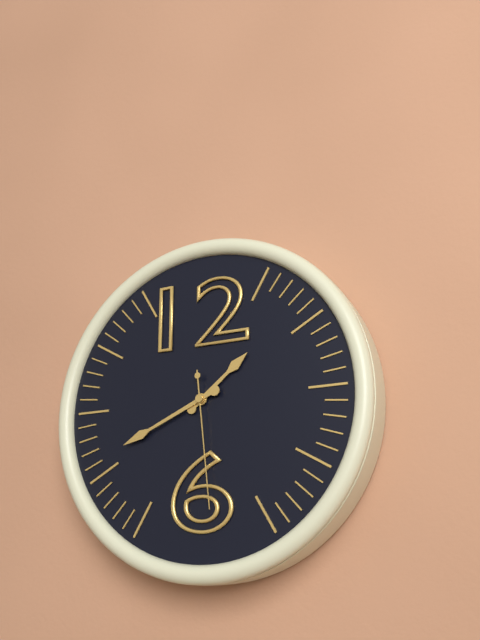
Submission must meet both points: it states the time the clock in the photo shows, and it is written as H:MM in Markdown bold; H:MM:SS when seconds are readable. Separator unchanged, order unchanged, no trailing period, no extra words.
**1:41:29**
